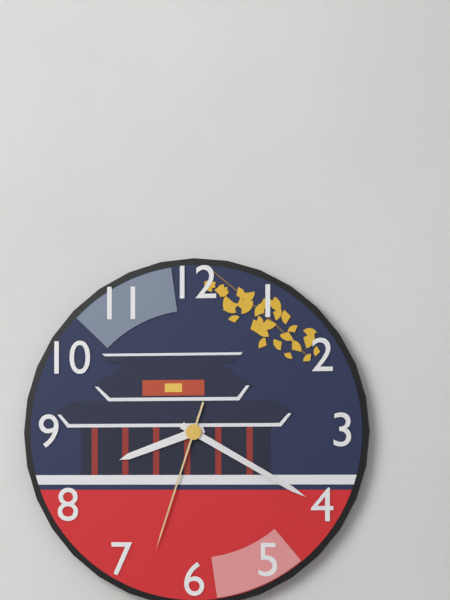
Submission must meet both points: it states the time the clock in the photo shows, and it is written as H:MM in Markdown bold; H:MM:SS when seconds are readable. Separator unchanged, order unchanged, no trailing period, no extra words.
**8:20:33**
